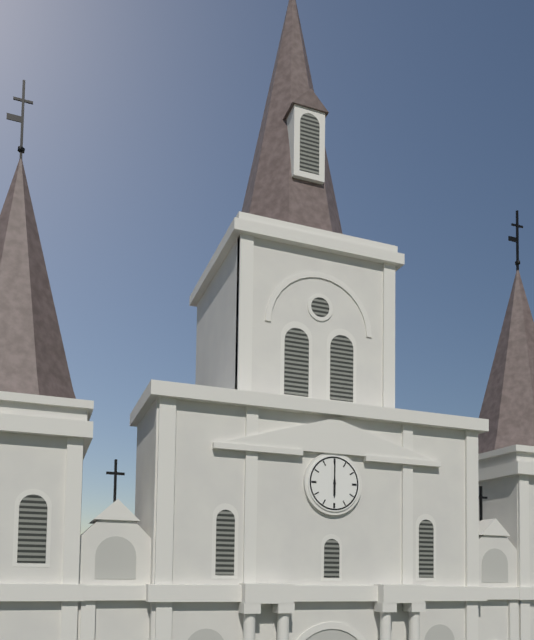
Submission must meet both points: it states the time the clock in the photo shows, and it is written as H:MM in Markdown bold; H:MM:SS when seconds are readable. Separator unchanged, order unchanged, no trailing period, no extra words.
**6:00**
